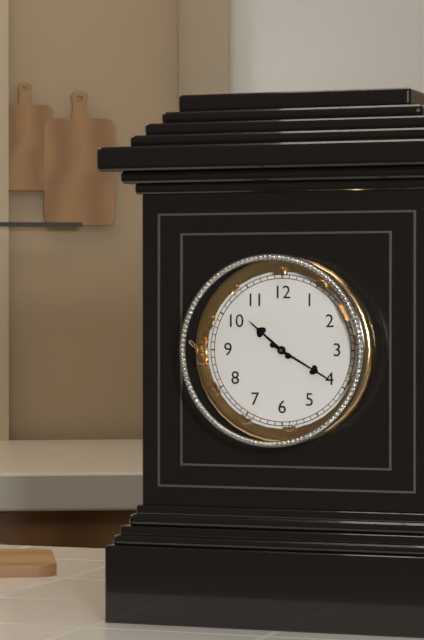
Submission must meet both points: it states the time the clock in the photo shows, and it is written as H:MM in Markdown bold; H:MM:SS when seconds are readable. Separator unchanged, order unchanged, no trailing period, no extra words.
**10:20**
